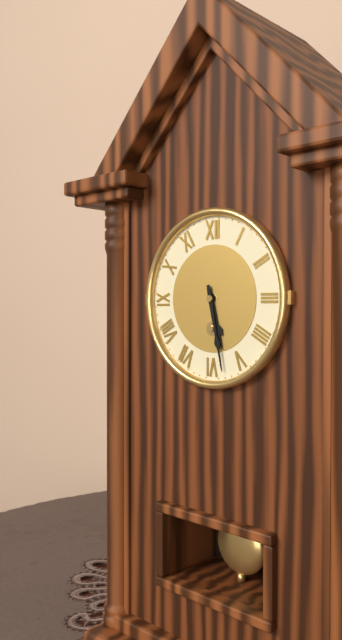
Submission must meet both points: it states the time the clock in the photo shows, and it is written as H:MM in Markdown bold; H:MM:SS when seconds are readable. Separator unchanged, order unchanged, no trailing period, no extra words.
**5:28**
